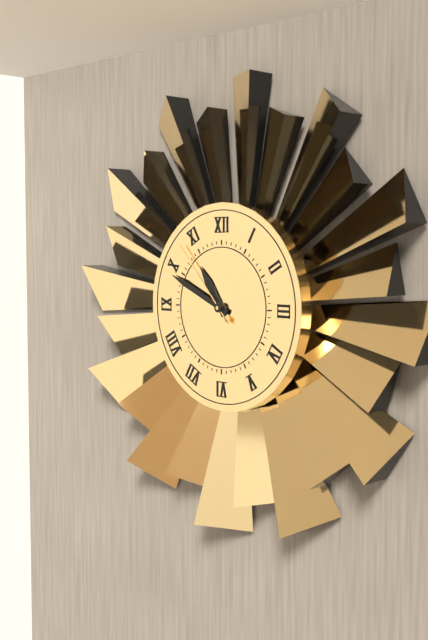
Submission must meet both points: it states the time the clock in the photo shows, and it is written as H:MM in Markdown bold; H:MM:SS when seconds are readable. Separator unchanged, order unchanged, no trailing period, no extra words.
**10:49:53**
